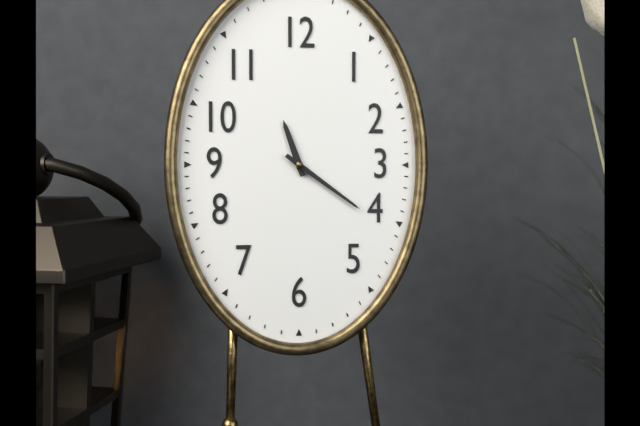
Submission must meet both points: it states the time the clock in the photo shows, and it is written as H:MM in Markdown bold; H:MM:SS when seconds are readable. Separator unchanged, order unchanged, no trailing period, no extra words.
**11:21**
